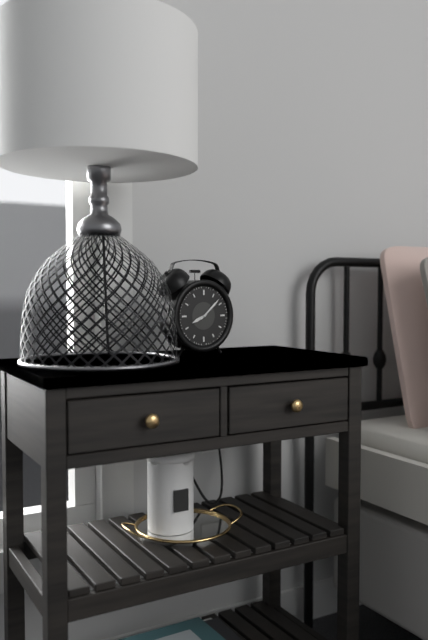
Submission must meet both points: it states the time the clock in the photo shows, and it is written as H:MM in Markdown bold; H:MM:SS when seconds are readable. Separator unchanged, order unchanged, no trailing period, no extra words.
**8:08**
